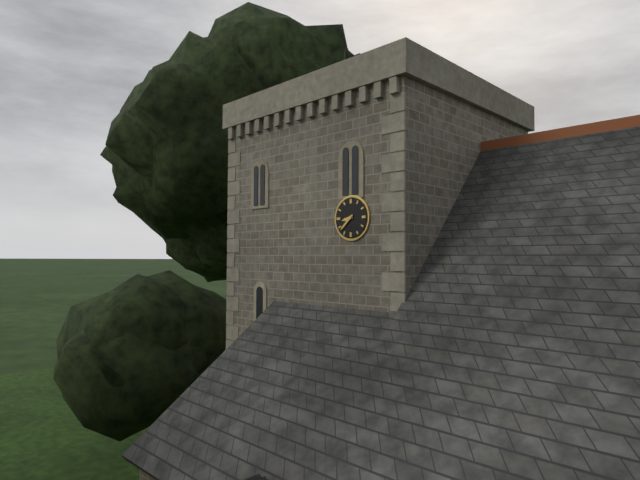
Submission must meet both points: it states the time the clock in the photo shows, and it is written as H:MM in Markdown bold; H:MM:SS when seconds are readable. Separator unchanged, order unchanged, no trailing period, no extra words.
**8:38**
